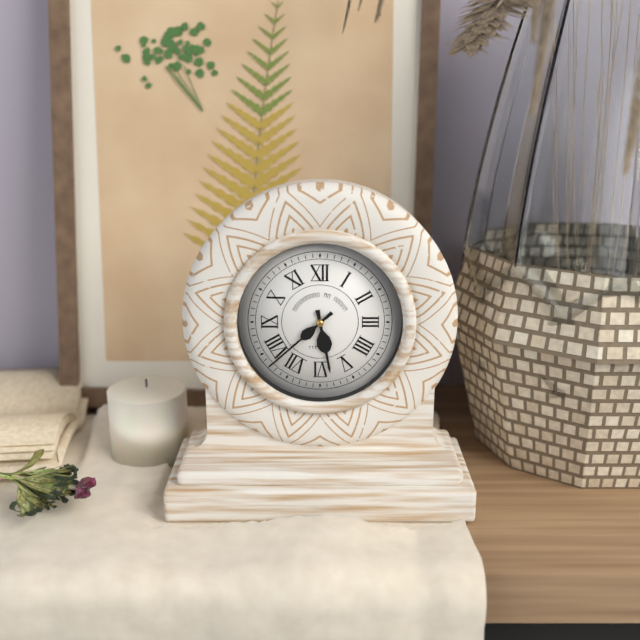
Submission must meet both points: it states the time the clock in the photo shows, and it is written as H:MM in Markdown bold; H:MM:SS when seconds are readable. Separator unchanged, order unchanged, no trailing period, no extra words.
**5:38**
